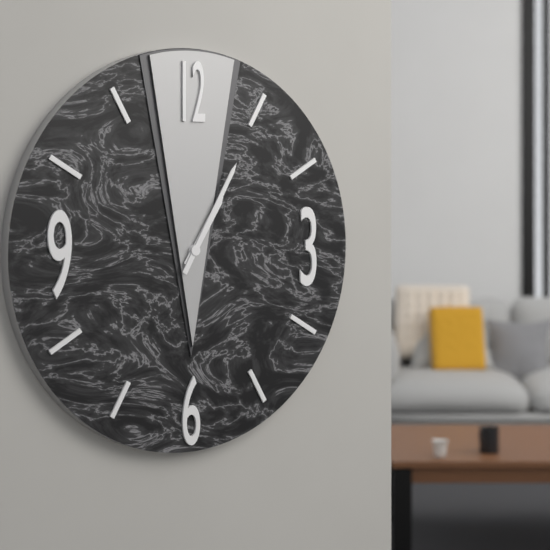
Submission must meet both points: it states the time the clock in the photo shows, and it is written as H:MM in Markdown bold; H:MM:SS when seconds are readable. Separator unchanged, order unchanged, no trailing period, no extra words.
**1:05**
